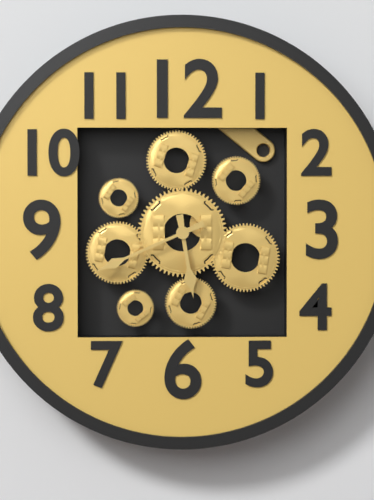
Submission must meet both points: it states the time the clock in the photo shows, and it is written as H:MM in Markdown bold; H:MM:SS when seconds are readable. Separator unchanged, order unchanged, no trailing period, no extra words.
**5:41**
